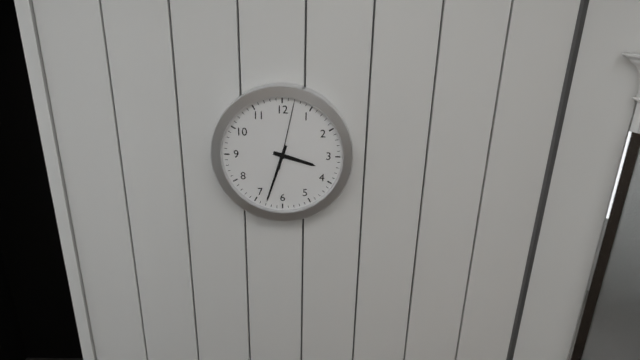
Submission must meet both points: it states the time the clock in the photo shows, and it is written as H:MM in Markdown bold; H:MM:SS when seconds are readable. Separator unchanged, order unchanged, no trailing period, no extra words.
**3:33:02**
